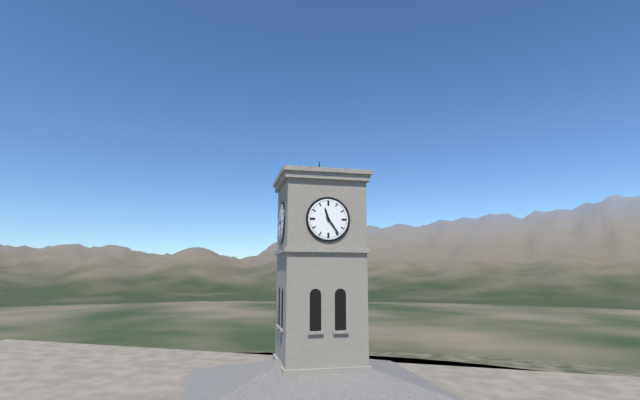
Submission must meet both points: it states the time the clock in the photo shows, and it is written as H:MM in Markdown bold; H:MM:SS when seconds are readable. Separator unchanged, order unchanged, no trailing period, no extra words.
**11:24**
